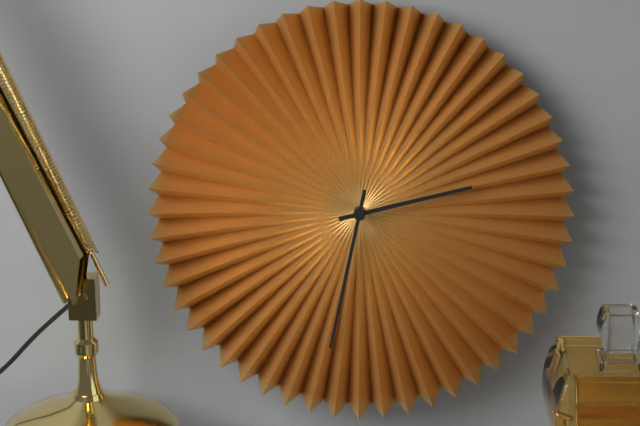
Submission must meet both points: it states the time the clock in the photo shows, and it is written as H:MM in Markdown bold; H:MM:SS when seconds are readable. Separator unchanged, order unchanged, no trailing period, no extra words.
**2:32**
